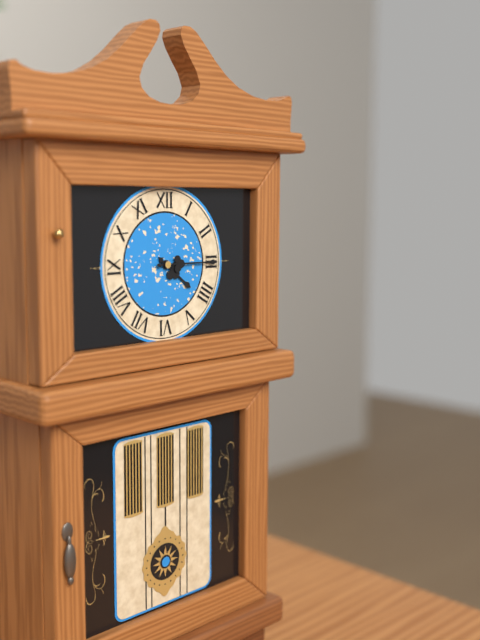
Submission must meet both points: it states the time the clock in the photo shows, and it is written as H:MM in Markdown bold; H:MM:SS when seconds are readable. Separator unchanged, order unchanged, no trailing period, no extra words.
**4:15**
